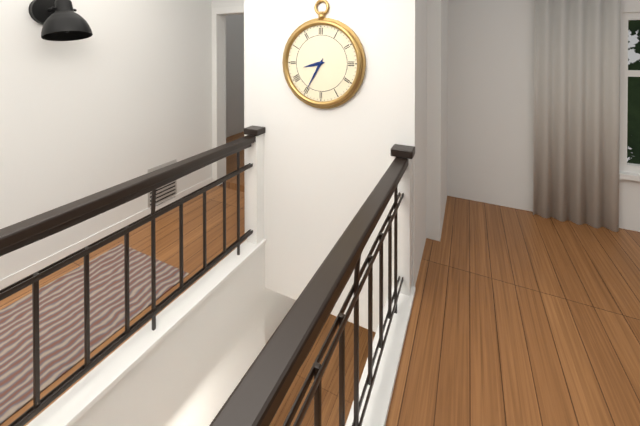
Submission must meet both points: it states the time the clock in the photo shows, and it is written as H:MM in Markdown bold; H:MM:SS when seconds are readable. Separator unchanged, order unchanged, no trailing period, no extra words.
**8:35**
